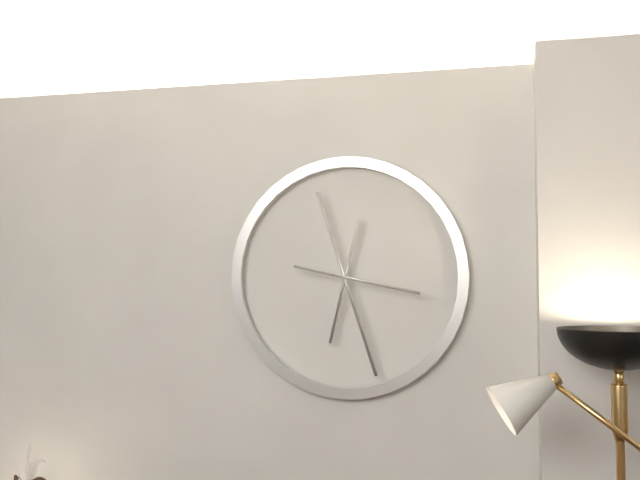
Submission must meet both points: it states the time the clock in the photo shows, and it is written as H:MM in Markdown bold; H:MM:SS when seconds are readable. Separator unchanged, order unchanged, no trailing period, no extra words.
**6:27:17**
